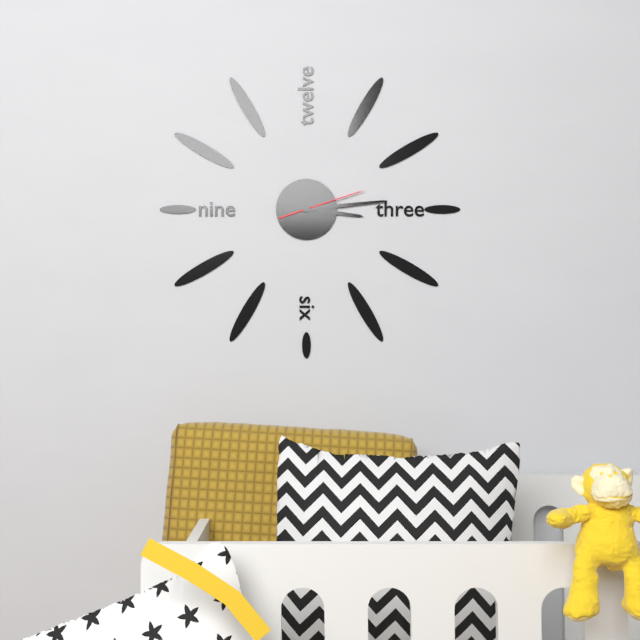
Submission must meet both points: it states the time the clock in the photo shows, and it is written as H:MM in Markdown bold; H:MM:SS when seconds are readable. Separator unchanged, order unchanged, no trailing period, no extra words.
**3:14:12**
